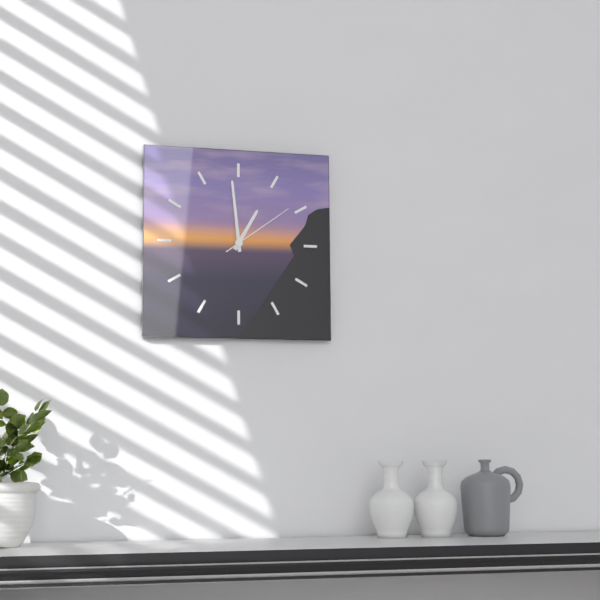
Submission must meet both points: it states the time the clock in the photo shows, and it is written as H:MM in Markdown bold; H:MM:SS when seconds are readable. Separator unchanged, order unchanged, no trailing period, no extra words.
**12:59:09**
